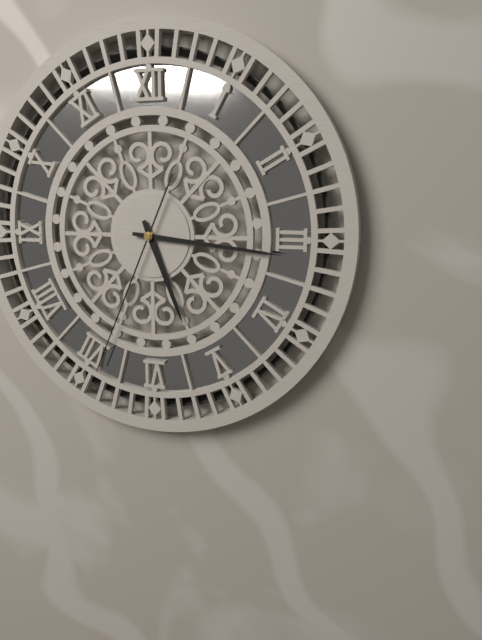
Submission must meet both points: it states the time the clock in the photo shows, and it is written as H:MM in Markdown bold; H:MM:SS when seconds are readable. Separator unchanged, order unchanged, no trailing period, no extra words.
**5:16:34**
